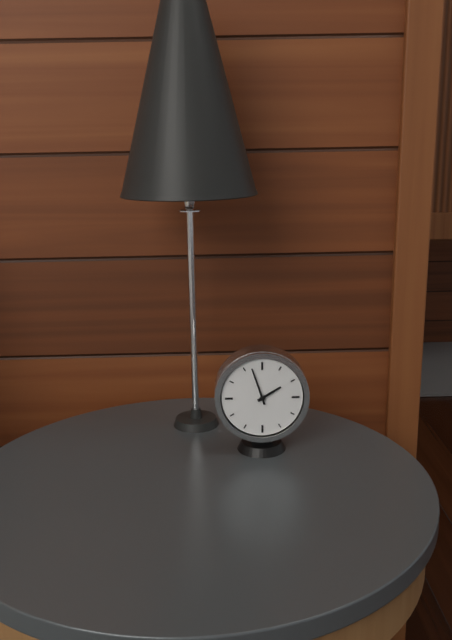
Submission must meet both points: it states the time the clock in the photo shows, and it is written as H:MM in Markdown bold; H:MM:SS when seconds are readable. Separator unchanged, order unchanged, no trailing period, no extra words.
**1:57**
